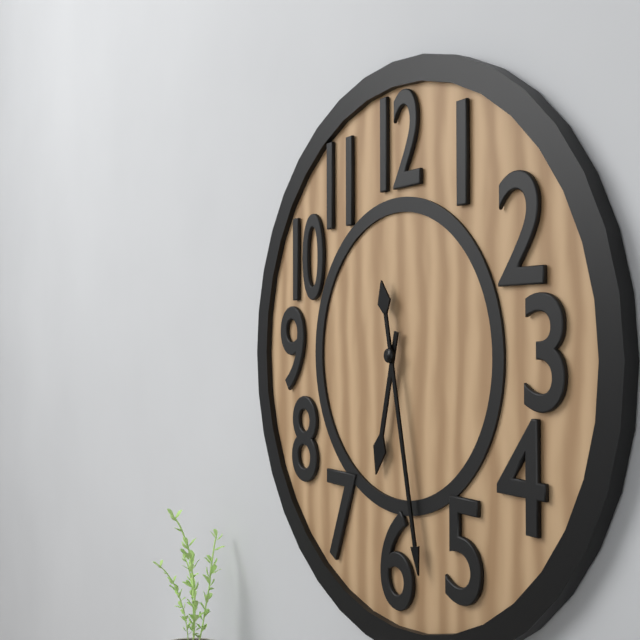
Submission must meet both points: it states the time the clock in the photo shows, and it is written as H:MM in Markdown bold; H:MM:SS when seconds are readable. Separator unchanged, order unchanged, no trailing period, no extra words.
**6:28**
